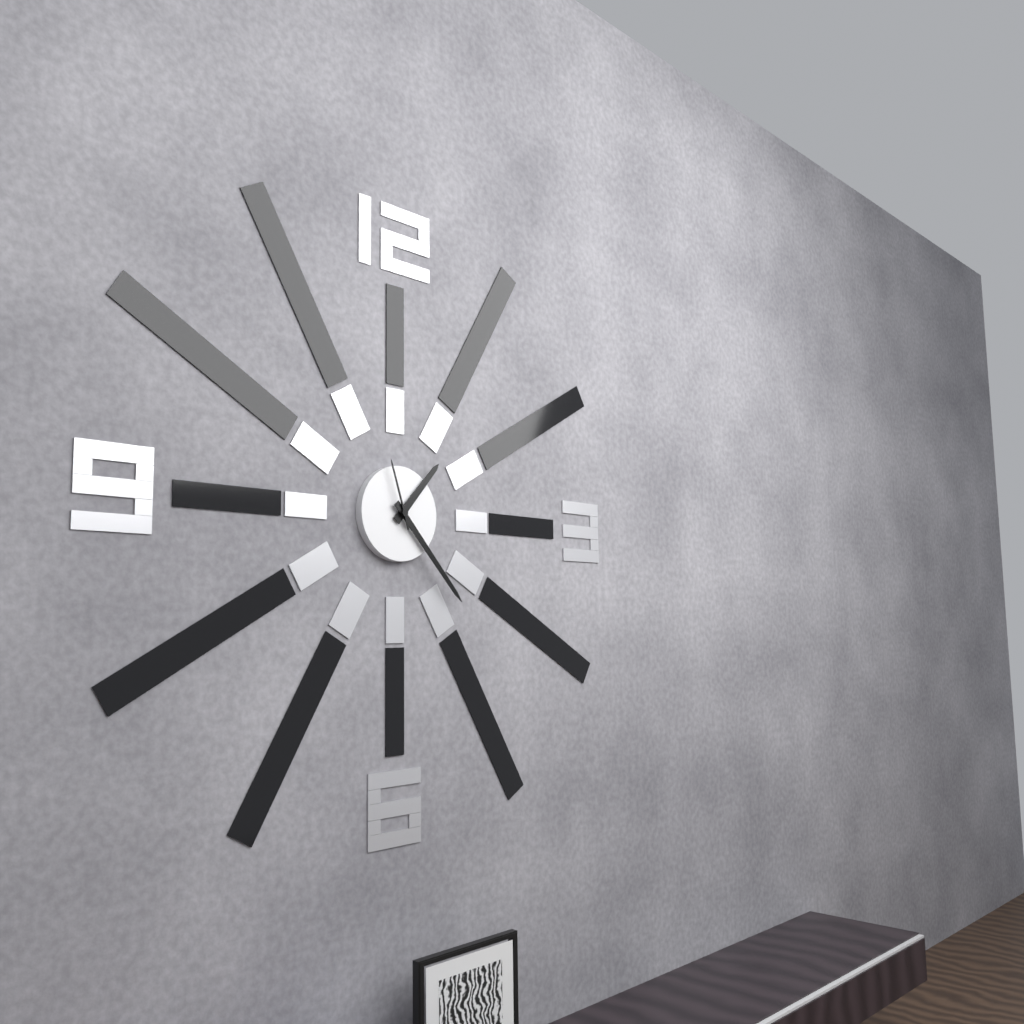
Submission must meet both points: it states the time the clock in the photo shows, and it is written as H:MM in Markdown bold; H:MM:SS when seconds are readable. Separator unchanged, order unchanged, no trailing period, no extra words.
**1:23:57**
